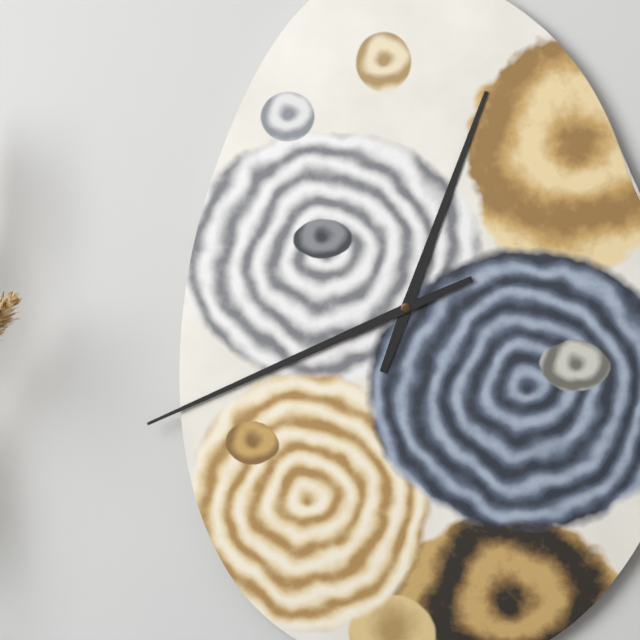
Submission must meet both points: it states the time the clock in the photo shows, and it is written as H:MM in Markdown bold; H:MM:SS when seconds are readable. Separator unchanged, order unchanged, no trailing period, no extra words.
**12:41**
